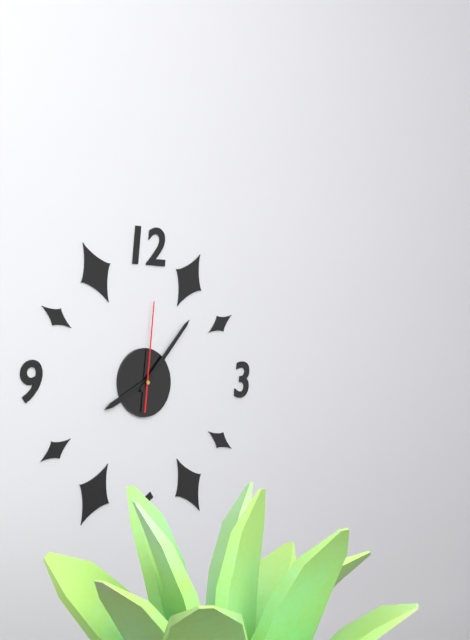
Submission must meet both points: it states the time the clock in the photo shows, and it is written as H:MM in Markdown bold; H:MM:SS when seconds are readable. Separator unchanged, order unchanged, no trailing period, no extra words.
**8:07:01**
